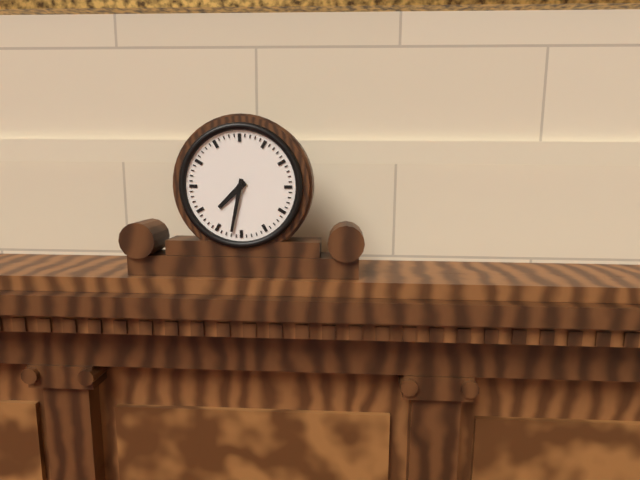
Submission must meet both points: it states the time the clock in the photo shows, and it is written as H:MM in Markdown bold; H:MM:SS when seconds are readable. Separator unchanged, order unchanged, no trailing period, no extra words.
**7:32**
